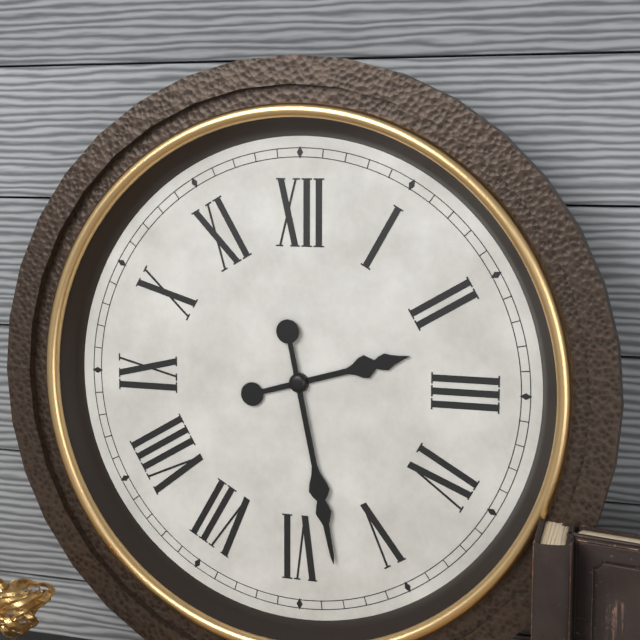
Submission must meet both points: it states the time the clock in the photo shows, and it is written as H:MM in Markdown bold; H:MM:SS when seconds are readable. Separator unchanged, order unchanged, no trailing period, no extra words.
**2:28**
